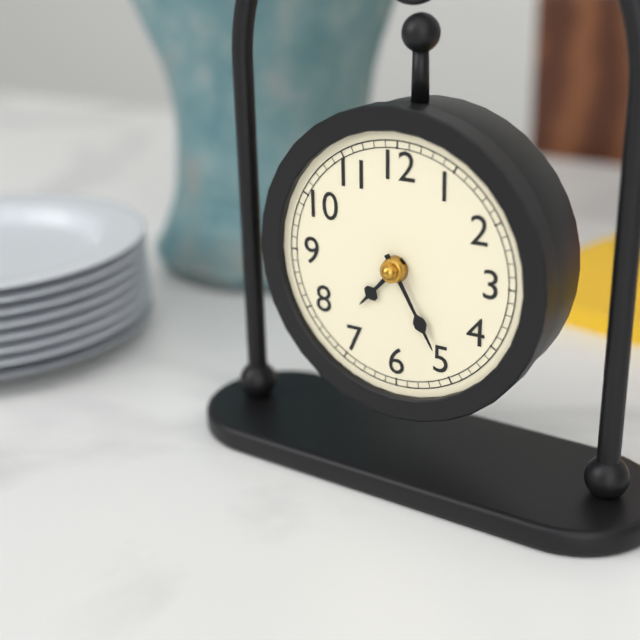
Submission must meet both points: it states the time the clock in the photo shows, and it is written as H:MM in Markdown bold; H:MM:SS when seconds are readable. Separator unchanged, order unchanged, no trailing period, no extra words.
**7:25**
